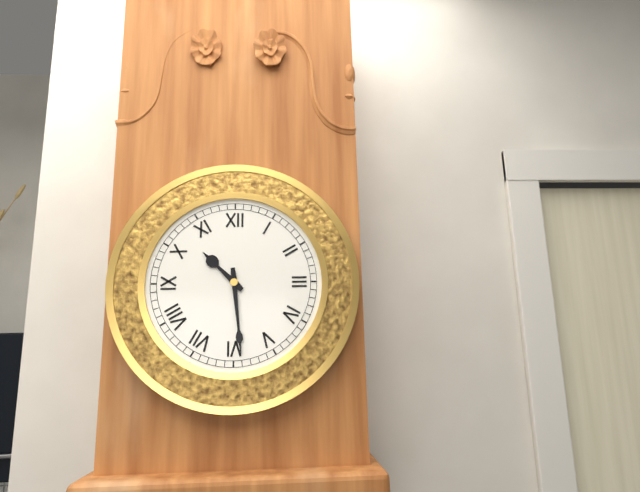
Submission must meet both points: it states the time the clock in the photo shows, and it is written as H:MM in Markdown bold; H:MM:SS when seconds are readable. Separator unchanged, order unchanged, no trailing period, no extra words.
**10:29**
